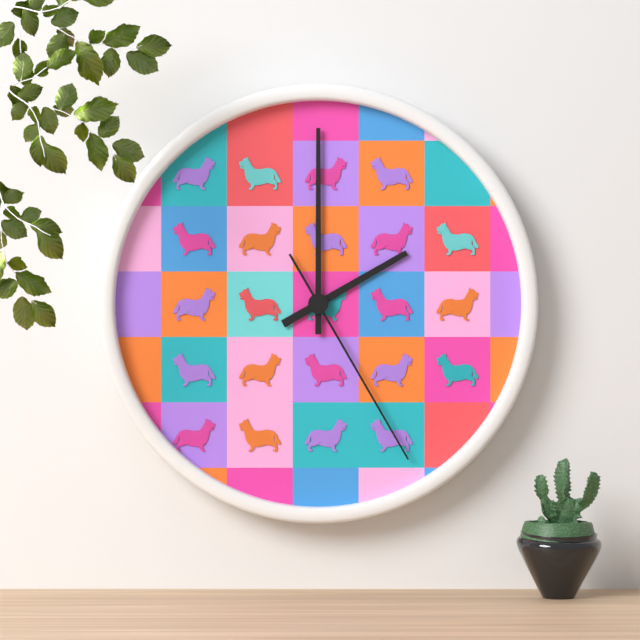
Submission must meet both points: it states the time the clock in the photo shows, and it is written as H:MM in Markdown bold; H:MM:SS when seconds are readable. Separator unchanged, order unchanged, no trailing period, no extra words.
**2:00:25**
